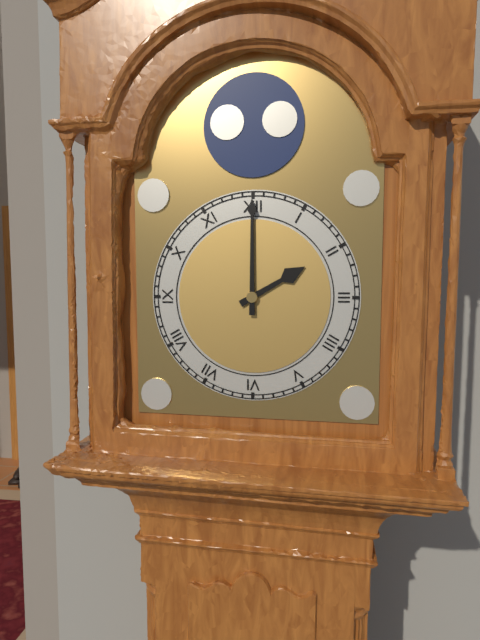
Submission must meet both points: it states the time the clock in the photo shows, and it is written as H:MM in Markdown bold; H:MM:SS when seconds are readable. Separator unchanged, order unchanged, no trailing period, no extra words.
**2:00**
